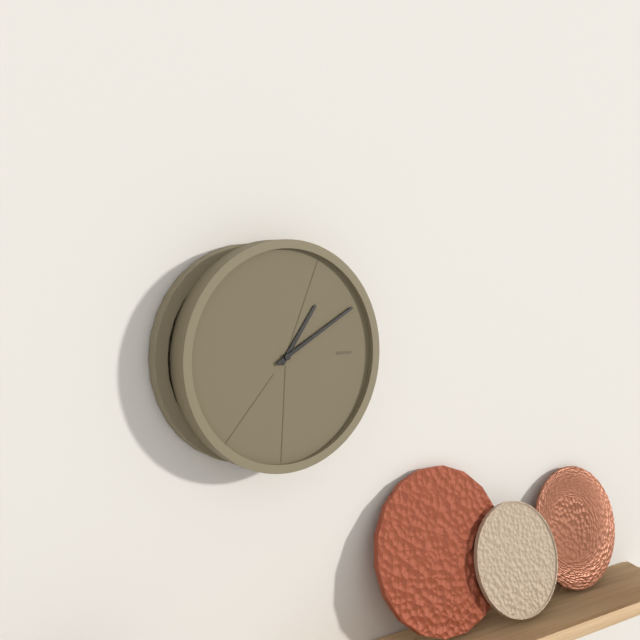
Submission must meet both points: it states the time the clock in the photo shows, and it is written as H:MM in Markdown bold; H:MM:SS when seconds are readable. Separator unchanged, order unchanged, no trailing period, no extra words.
**1:10**
